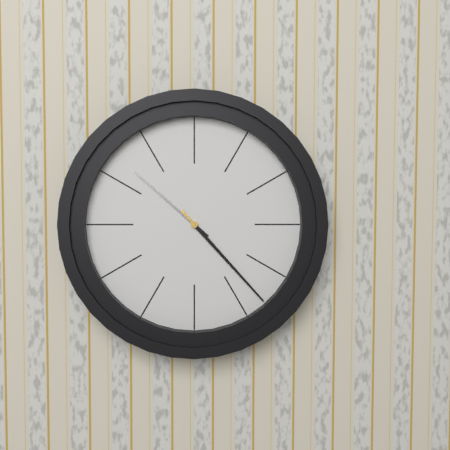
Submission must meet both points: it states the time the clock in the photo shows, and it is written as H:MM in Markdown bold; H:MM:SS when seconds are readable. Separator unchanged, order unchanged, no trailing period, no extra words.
**10:23**
